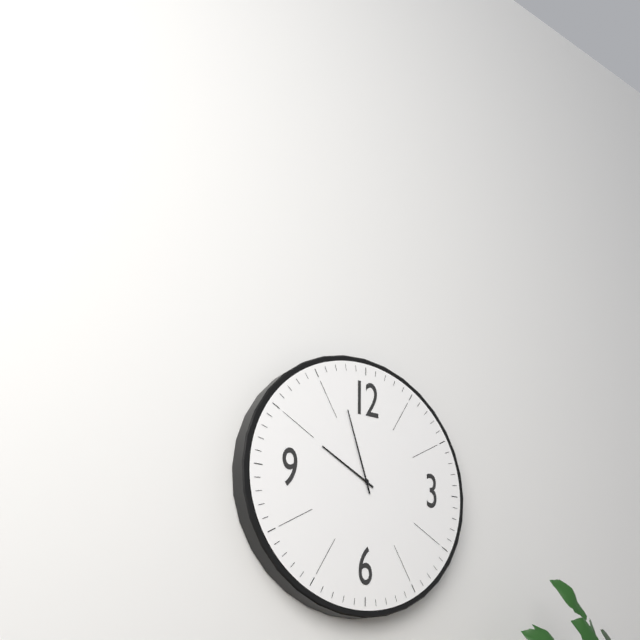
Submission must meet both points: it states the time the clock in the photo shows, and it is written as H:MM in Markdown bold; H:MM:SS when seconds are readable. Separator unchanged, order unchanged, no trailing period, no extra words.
**9:57**
